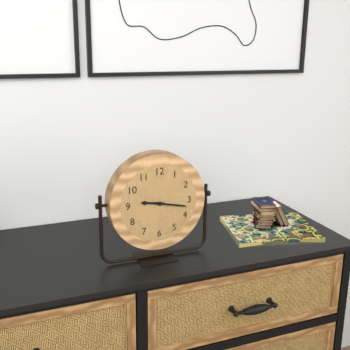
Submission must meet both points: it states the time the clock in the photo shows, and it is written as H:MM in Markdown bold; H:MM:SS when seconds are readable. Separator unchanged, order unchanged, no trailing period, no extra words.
**9:17**
